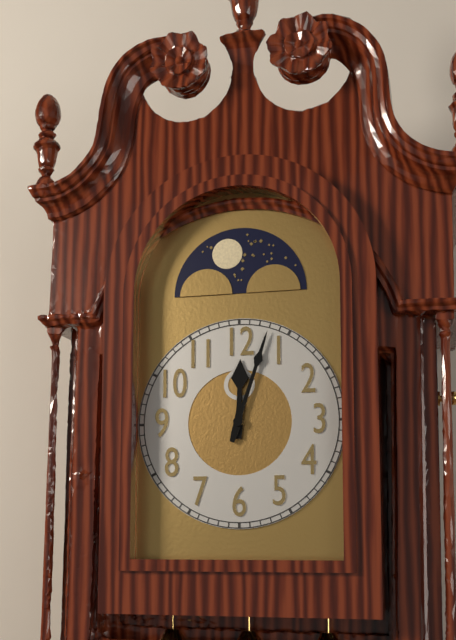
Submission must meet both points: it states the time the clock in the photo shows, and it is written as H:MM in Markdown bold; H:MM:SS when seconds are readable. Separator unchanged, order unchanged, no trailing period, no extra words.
**12:03**
